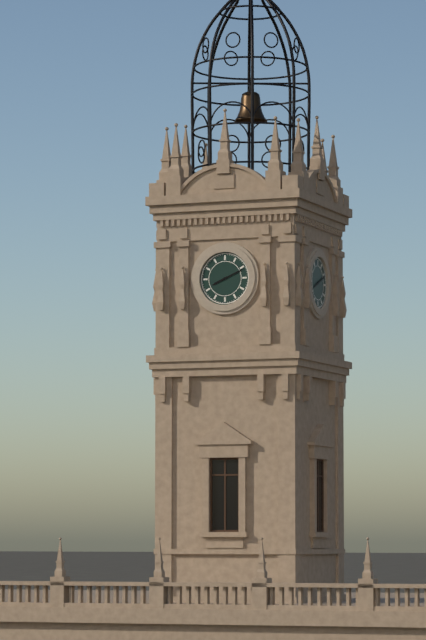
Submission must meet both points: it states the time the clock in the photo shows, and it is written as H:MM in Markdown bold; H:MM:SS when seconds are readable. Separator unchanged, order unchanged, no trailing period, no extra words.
**8:11**
